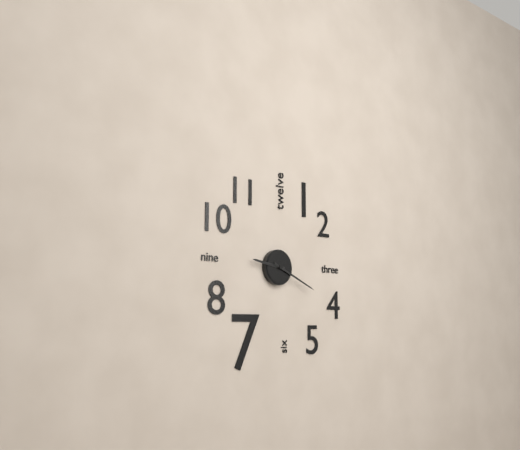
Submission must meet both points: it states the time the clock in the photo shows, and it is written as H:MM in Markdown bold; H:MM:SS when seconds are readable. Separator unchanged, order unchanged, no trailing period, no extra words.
**9:19**
